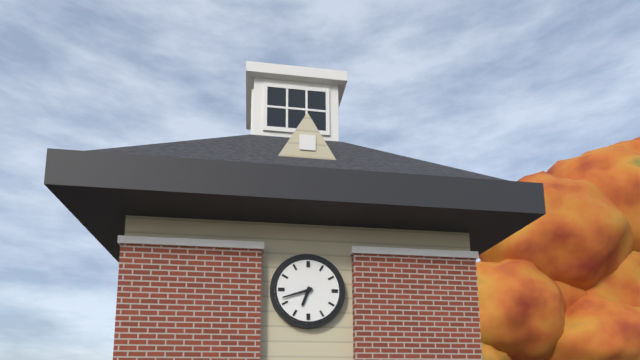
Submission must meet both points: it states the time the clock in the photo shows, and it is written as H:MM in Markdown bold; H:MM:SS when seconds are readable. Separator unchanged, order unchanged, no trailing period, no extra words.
**6:42**
